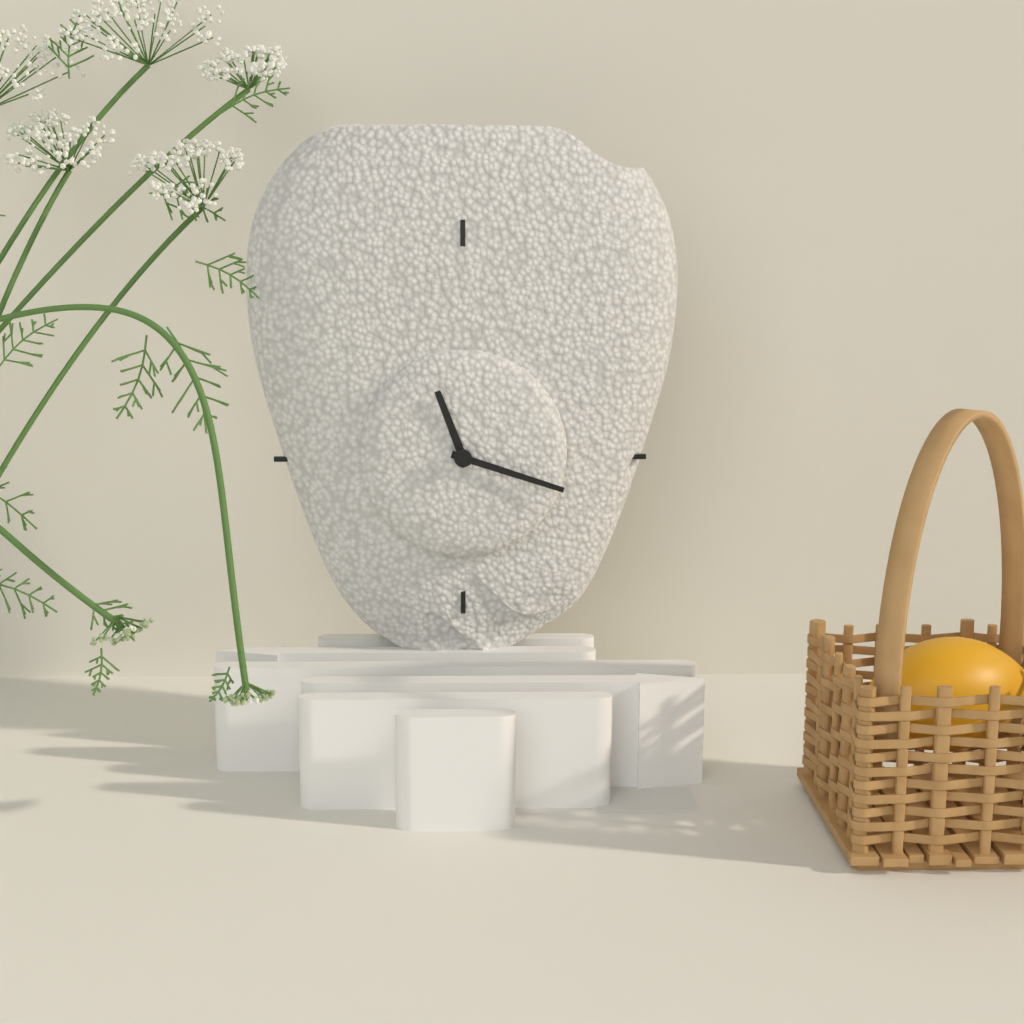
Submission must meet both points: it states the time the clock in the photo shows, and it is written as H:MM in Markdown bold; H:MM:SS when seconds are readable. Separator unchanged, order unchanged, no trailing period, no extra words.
**11:18**
